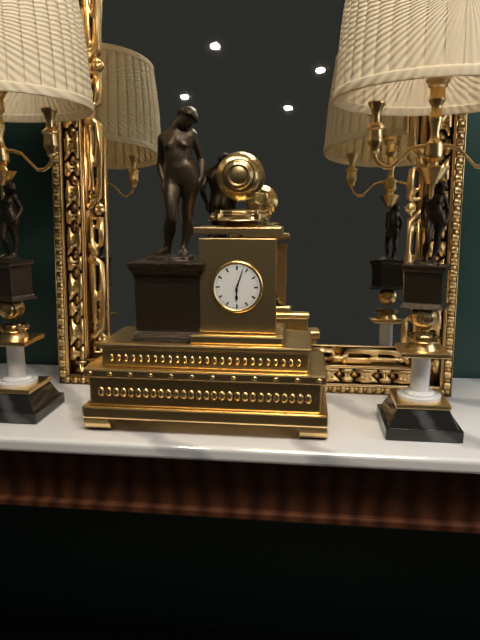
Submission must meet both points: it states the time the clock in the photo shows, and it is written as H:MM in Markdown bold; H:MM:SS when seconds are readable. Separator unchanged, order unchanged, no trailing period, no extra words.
**6:03**
